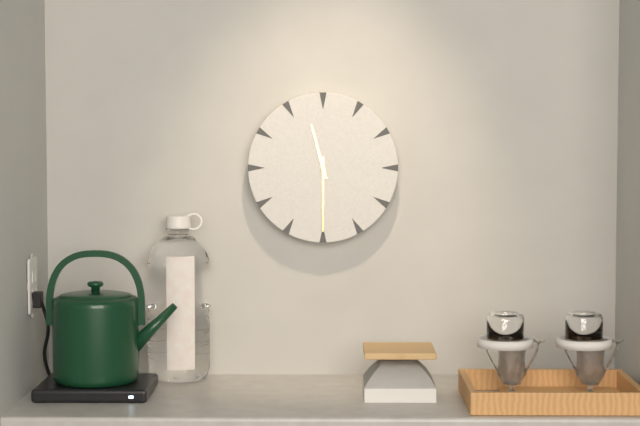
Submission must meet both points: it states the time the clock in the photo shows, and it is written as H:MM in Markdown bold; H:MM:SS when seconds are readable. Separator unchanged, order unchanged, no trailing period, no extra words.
**11:30**
